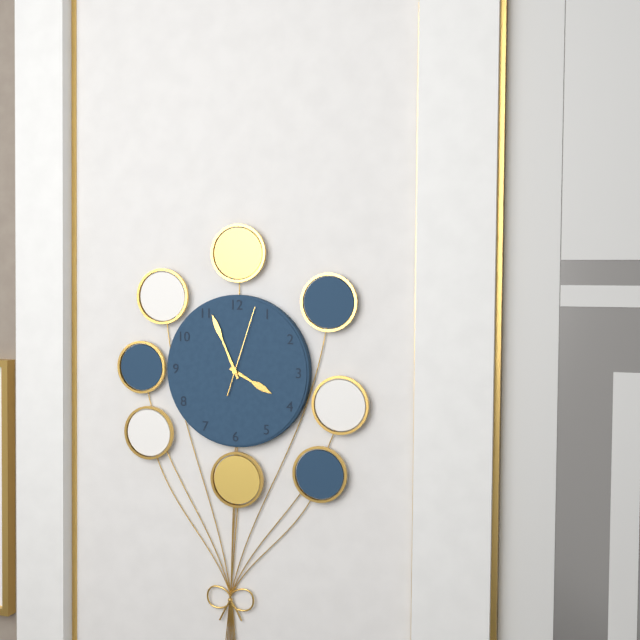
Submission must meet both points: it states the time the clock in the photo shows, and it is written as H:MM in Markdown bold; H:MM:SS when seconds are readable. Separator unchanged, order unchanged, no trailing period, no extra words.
**3:56:03**
